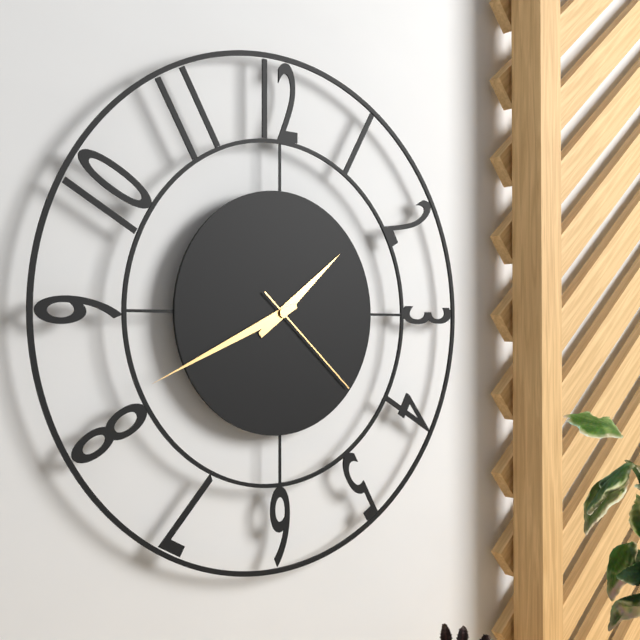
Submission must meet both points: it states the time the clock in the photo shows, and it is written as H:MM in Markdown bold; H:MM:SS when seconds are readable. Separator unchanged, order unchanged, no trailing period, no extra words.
**1:41:22**
